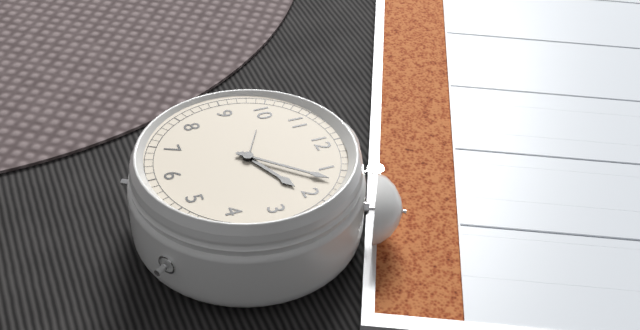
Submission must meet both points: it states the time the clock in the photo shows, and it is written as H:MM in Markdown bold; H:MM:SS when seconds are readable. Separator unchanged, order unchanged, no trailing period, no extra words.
**2:07**
